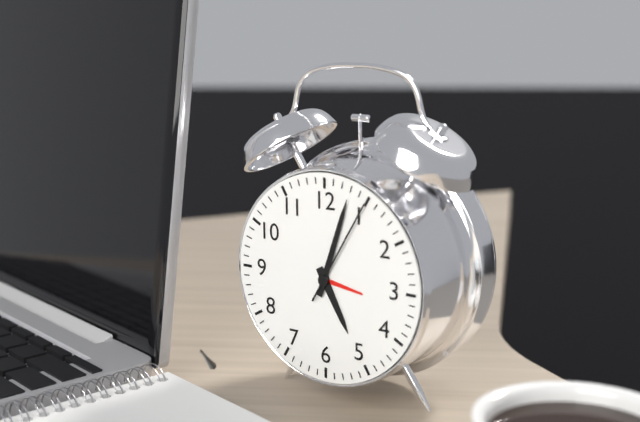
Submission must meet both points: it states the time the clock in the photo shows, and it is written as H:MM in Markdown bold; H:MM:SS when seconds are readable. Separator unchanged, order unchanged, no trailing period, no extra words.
**5:03:05**
